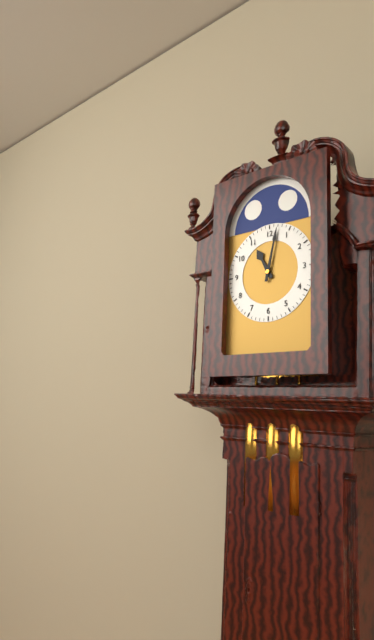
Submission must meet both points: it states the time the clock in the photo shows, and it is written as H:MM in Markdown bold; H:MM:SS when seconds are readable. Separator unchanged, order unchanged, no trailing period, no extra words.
**11:02**
